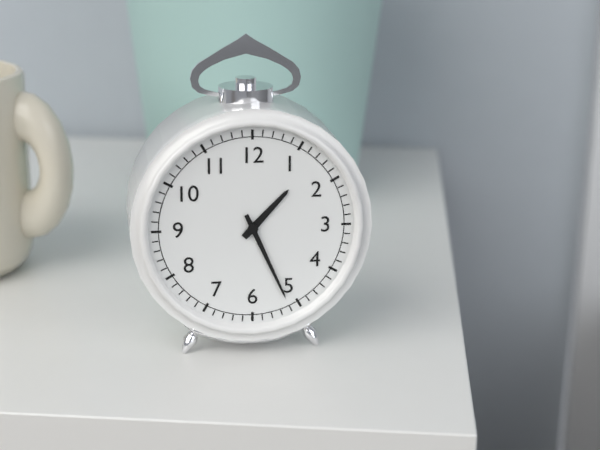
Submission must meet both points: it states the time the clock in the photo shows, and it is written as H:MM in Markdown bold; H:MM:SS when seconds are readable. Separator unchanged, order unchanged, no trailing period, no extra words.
**1:26**
